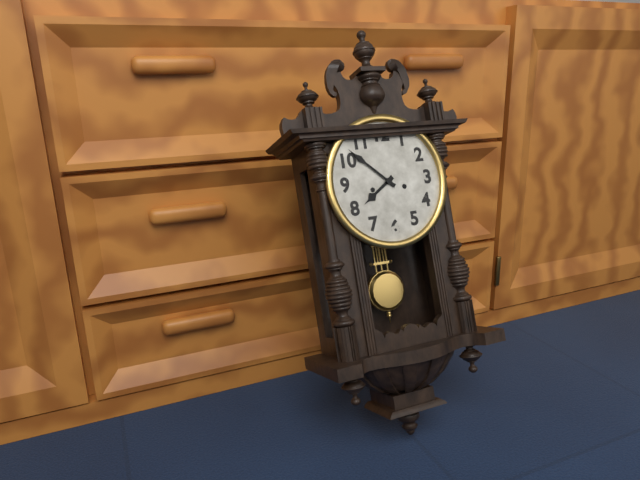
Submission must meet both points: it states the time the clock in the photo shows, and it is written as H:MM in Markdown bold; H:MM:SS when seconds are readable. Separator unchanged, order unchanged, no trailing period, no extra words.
**7:52**
